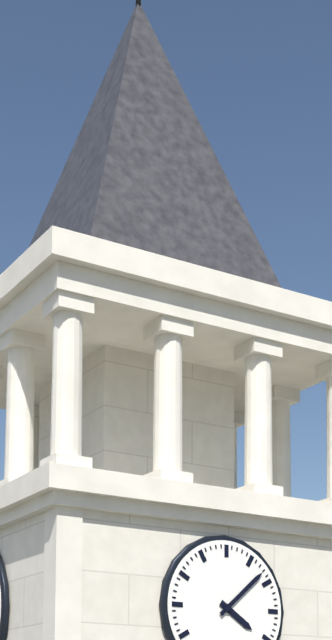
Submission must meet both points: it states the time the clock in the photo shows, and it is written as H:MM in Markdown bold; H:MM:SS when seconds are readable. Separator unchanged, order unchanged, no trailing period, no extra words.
**4:08**
